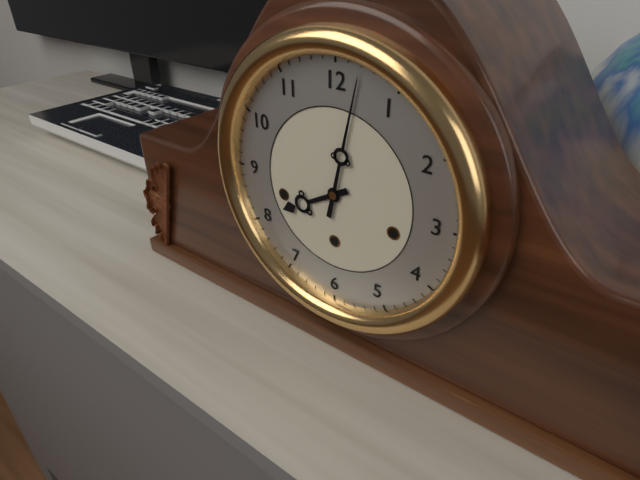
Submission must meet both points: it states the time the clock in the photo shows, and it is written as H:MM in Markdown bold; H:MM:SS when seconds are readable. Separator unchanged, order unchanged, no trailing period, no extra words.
**8:02**
